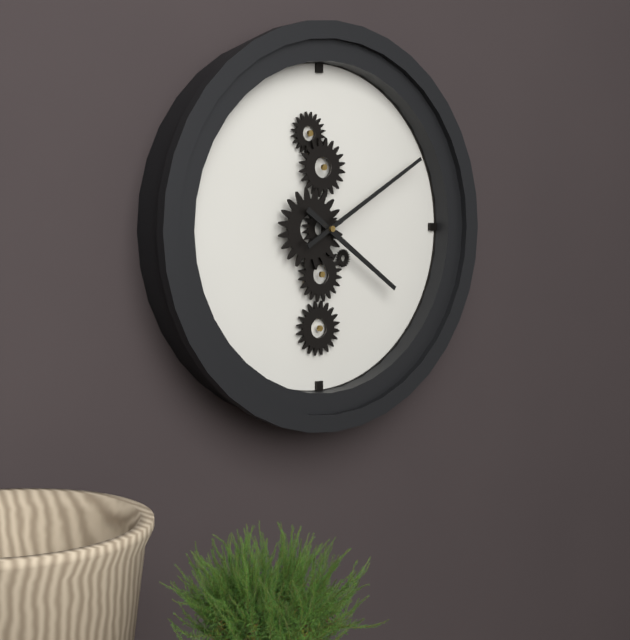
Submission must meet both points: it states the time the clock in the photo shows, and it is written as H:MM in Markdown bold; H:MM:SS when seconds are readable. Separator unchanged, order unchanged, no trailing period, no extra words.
**4:10**
